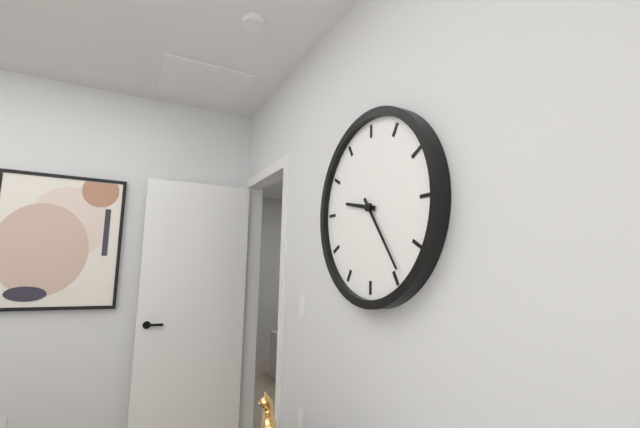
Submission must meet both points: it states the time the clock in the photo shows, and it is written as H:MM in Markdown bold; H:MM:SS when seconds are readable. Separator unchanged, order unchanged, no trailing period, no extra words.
**9:24**
